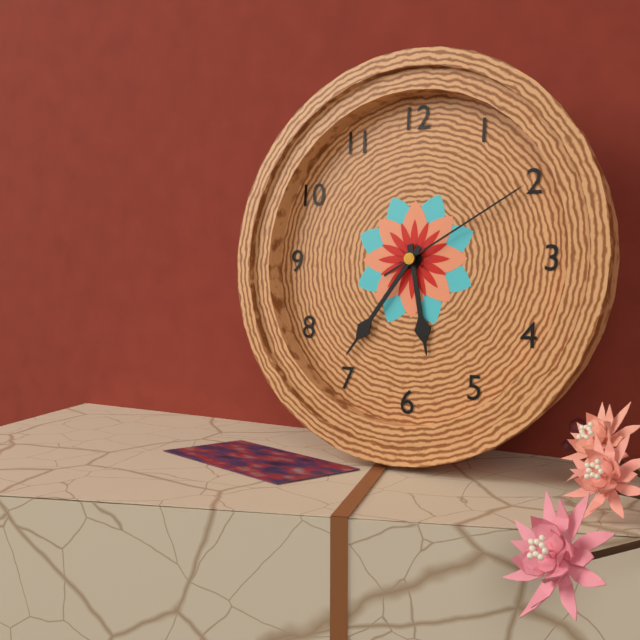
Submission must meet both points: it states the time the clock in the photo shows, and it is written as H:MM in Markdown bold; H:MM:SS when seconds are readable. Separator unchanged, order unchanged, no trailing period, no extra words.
**5:36:10**
